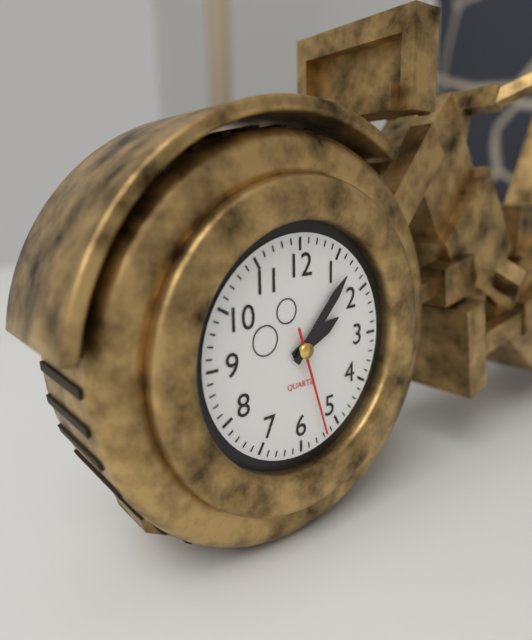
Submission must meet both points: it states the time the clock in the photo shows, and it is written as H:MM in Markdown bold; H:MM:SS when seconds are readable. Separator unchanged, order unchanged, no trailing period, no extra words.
**2:07:27**
